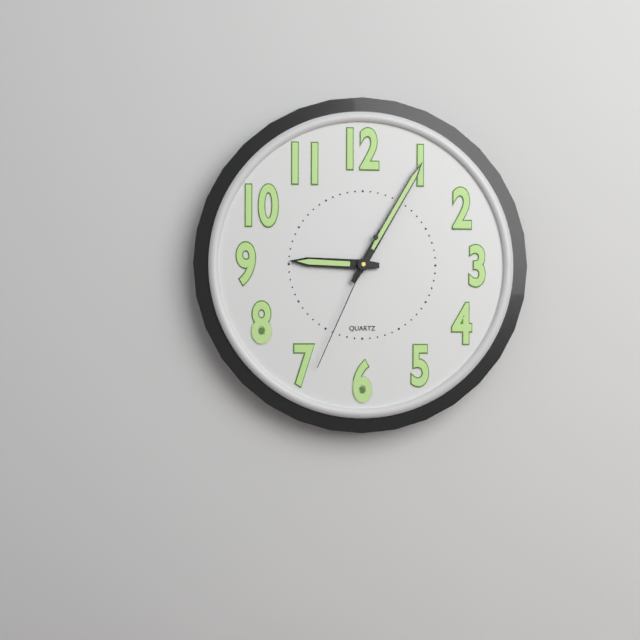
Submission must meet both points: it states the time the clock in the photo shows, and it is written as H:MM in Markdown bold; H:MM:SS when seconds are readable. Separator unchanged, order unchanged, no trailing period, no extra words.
**9:05:34**
